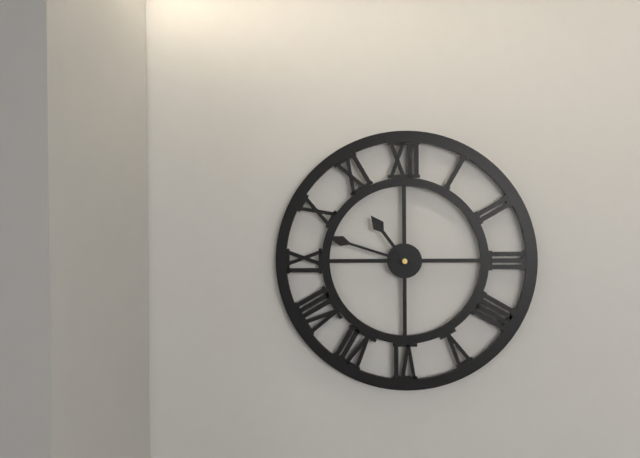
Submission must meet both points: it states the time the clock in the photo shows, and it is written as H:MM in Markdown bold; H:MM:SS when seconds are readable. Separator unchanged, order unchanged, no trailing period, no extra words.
**10:48**
